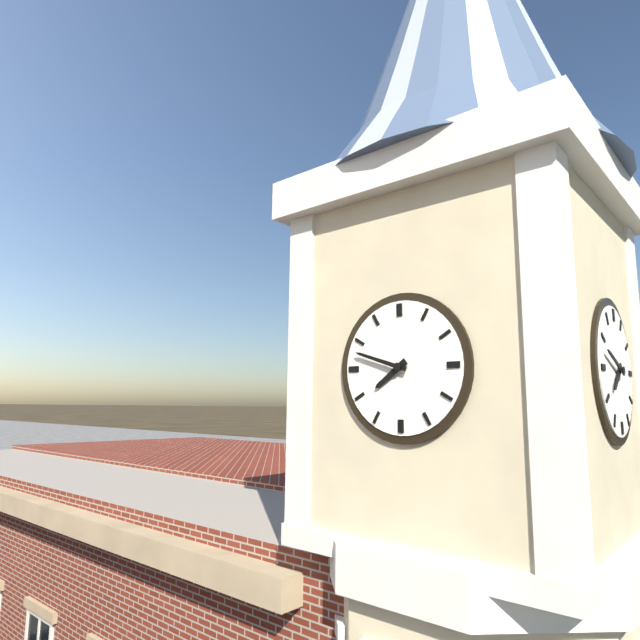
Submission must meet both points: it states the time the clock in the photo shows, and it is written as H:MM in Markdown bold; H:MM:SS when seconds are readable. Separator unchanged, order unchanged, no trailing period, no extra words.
**7:48**
